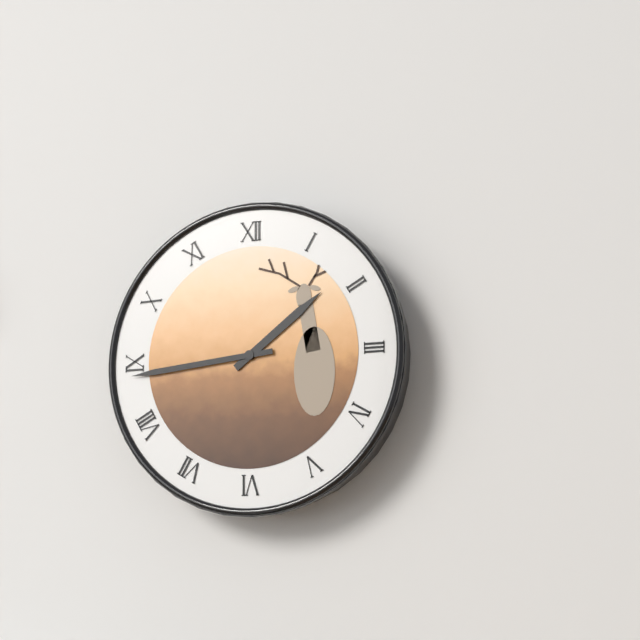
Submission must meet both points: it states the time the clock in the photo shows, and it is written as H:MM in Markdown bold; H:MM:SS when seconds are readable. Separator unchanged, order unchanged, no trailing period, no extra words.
**1:44**
